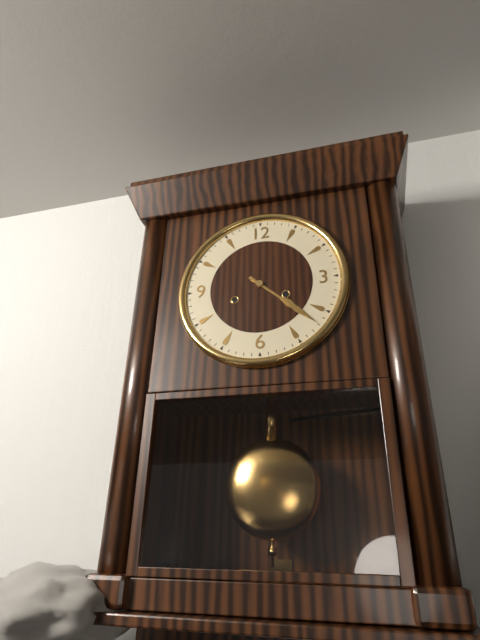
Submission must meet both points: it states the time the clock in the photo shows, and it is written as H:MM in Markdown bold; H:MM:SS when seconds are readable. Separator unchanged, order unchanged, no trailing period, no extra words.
**4:22**
